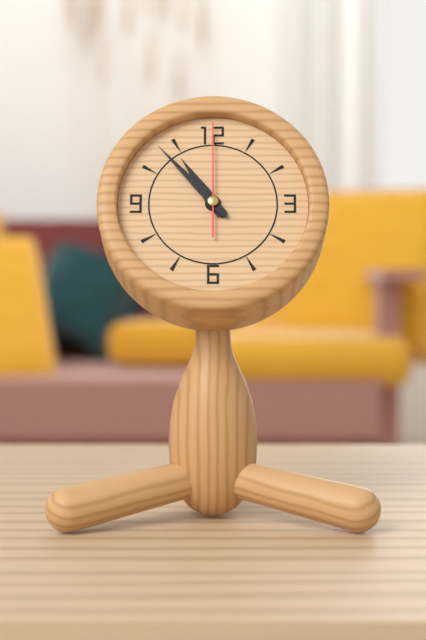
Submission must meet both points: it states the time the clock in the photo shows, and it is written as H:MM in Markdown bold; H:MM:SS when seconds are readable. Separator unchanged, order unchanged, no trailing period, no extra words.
**10:53:00**
